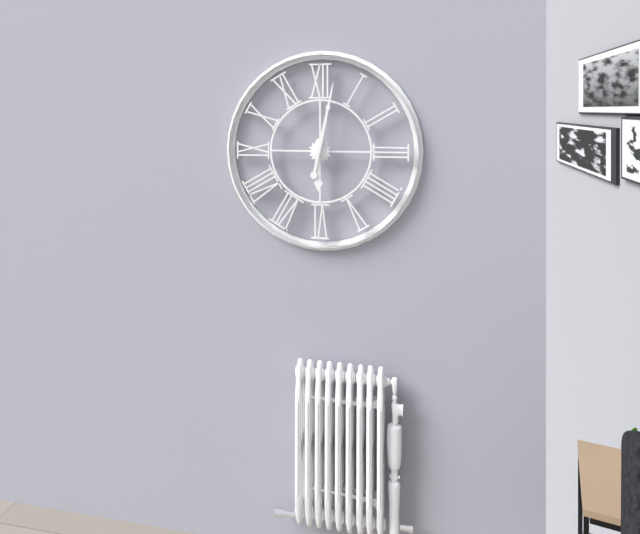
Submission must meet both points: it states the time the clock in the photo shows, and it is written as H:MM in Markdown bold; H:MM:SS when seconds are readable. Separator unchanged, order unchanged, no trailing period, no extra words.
**6:02**
